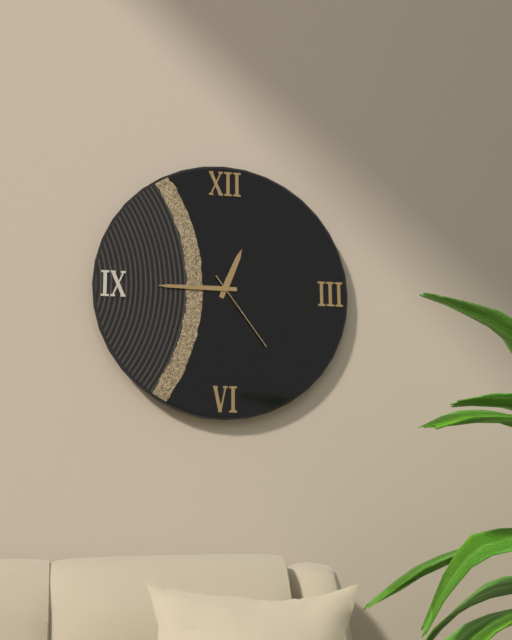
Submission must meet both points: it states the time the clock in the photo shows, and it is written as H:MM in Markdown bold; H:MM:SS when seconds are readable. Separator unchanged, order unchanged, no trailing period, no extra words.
**12:45:24**
